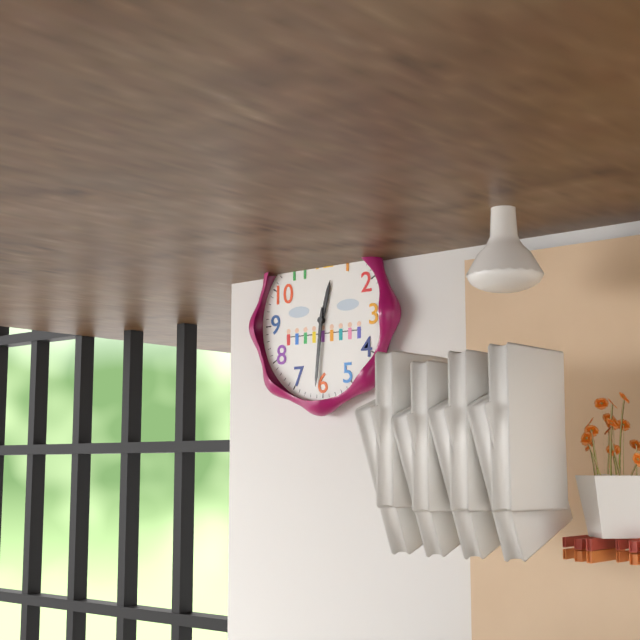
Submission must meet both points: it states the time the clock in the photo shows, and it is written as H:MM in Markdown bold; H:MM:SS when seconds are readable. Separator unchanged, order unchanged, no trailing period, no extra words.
**12:31**
